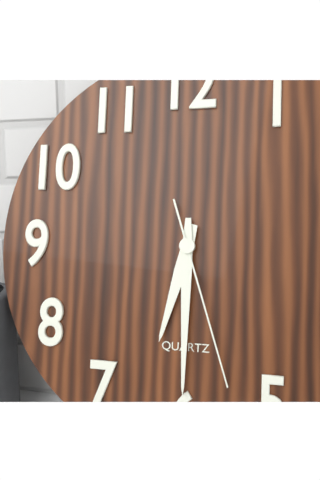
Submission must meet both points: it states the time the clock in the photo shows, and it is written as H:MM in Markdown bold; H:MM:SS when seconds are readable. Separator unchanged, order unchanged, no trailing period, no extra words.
**6:30:27**
